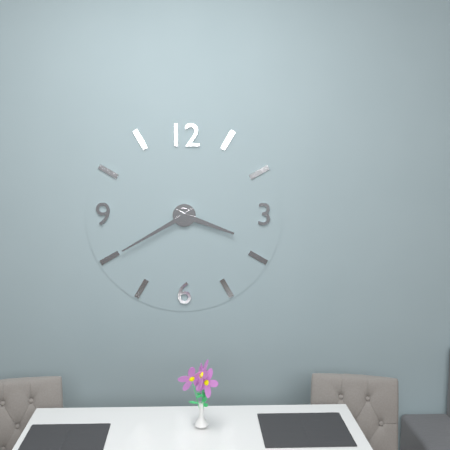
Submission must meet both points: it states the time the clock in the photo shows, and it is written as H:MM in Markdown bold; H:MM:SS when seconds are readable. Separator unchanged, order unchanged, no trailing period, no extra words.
**3:40**
